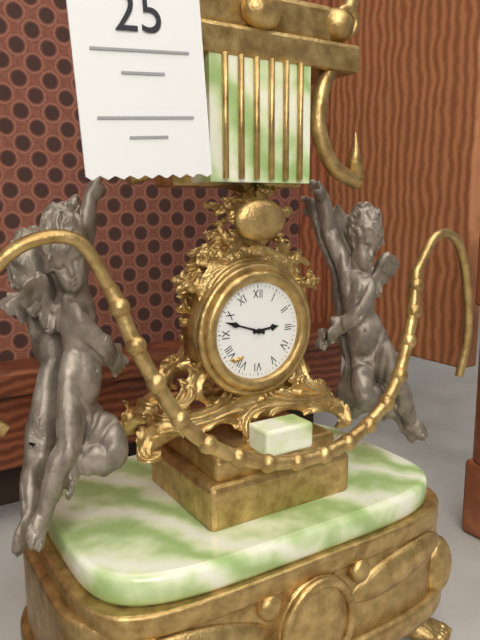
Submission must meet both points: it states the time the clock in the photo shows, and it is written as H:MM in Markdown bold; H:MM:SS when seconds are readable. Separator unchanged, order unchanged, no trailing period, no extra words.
**2:48**
